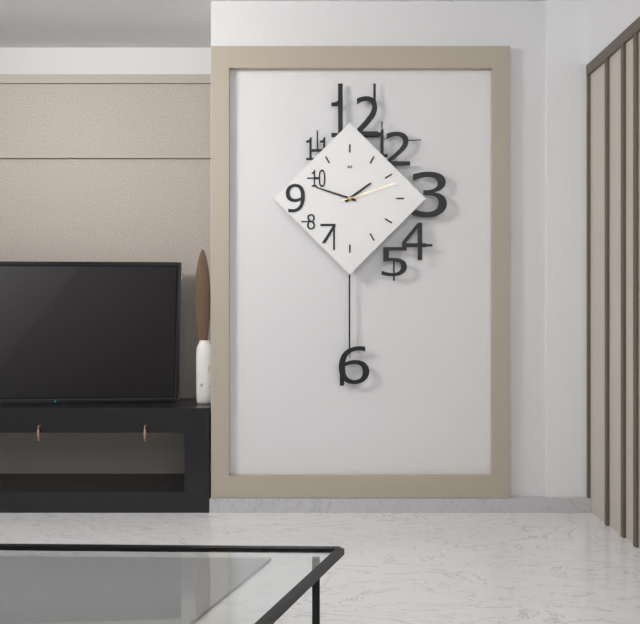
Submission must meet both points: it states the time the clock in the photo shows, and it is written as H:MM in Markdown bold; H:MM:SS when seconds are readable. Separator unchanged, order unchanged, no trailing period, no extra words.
**1:48:12**
